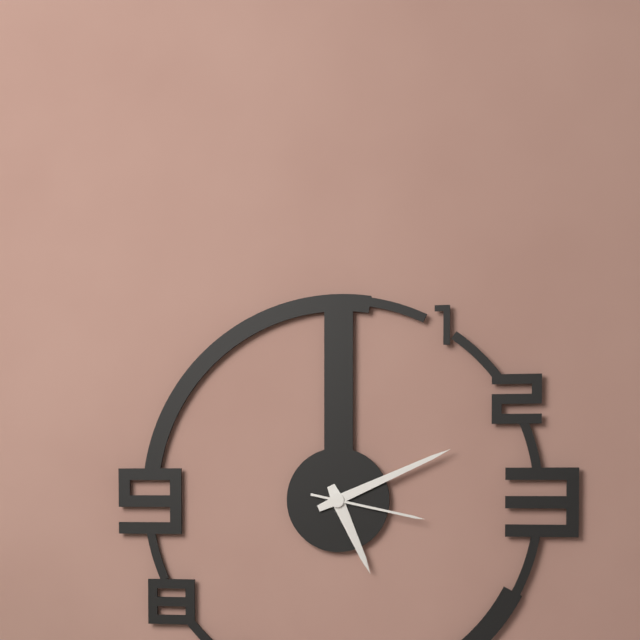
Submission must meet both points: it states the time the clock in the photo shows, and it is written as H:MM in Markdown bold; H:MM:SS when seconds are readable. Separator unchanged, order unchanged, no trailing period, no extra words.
**5:11:17**
